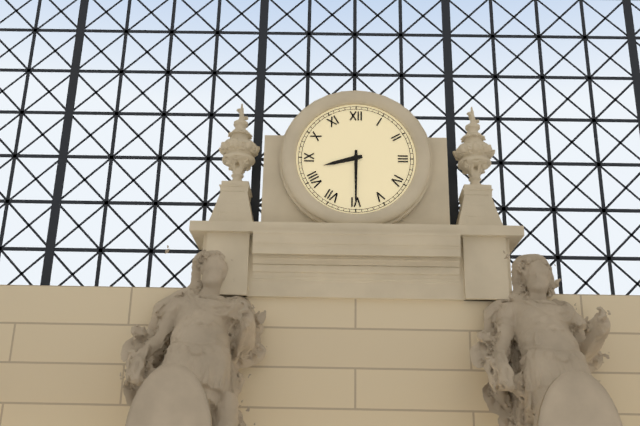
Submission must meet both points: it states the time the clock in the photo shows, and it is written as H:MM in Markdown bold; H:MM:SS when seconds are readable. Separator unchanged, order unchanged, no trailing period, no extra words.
**8:30**
